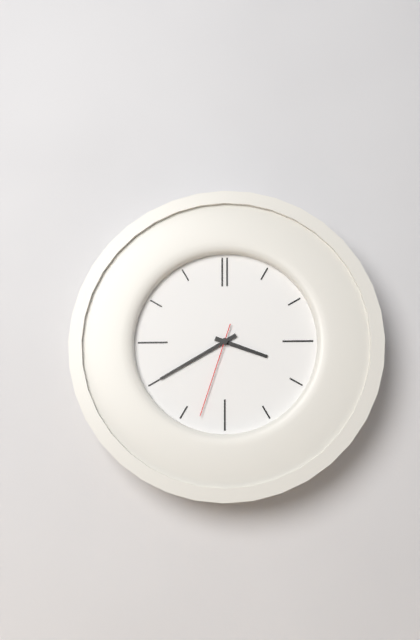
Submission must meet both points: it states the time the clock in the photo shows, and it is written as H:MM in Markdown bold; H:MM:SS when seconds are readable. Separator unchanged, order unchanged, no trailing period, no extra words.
**3:40:33**
